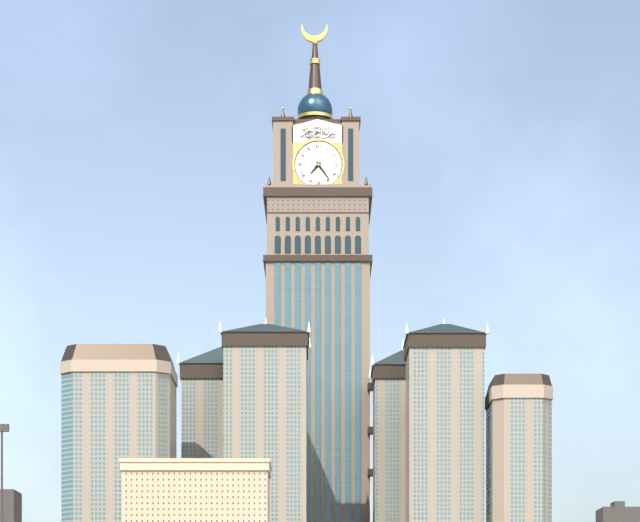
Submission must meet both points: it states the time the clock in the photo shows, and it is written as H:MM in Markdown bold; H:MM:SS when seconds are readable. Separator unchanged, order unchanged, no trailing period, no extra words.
**7:24**
